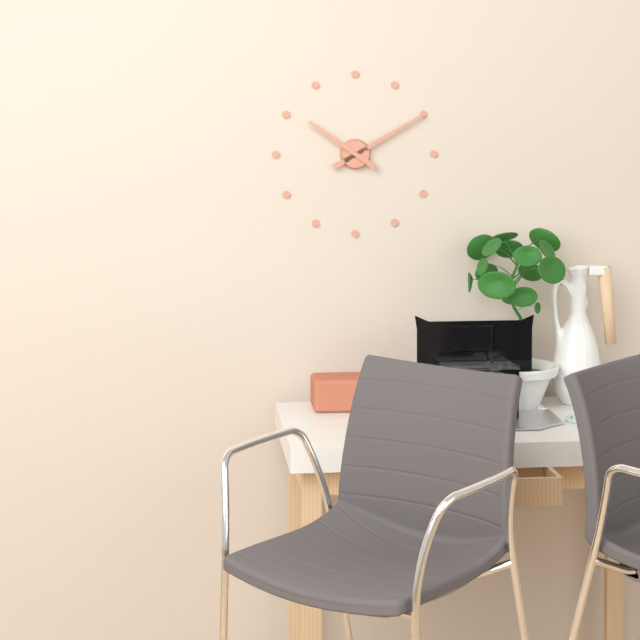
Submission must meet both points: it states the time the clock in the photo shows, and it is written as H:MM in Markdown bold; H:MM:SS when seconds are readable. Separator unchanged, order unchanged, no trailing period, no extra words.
**10:10**
